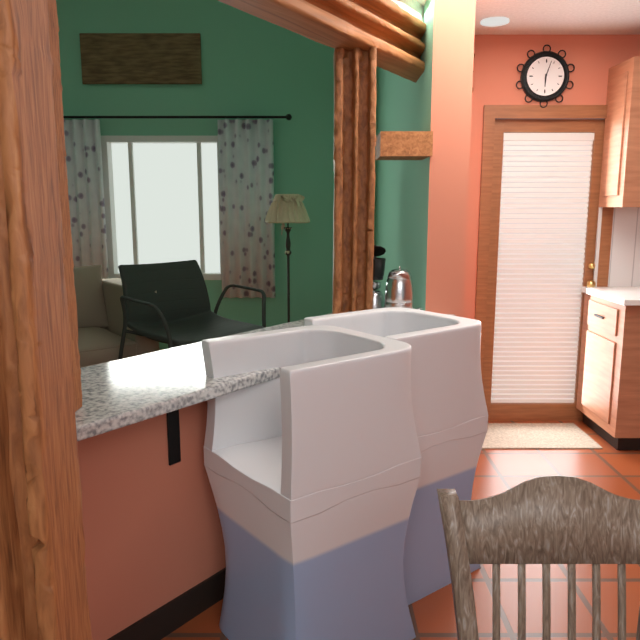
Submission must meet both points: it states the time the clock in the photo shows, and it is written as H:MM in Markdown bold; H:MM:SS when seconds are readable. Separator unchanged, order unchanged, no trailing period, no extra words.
**6:03**
